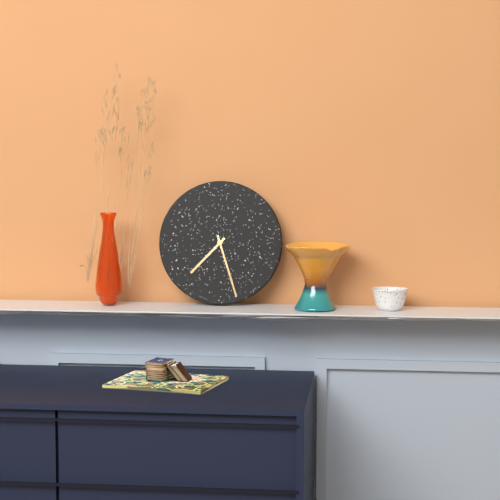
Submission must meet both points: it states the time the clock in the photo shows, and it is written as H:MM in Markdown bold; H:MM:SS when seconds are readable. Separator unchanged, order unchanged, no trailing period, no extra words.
**7:27**
